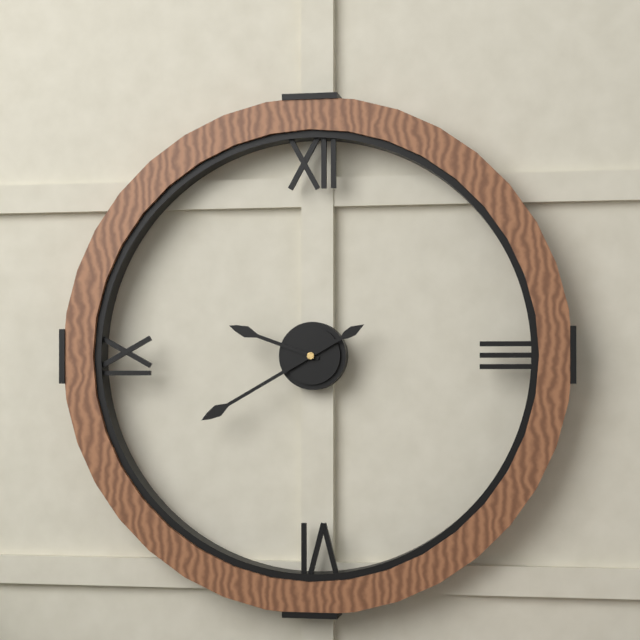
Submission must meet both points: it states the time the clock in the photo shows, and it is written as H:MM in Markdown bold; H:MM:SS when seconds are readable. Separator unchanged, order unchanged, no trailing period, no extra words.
**9:40**
